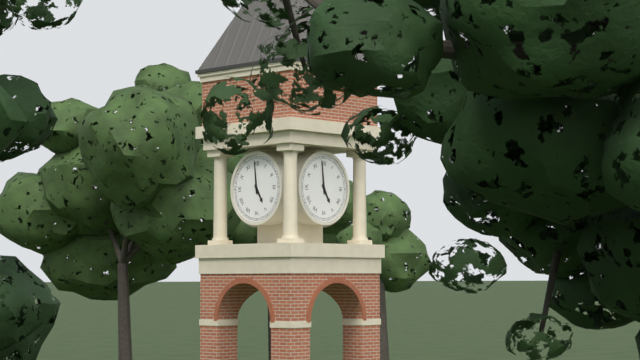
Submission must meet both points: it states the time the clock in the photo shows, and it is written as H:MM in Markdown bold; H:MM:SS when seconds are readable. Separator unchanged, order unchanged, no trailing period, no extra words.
**4:59**
